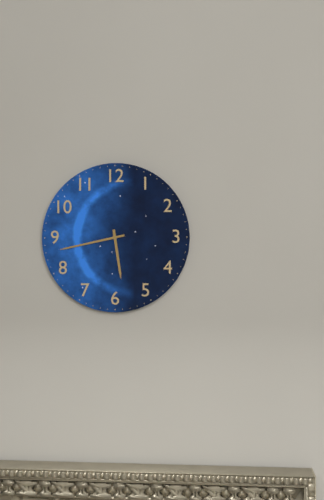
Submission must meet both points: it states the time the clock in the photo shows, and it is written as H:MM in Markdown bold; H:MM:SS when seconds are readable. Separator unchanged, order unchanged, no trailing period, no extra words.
**5:43**
